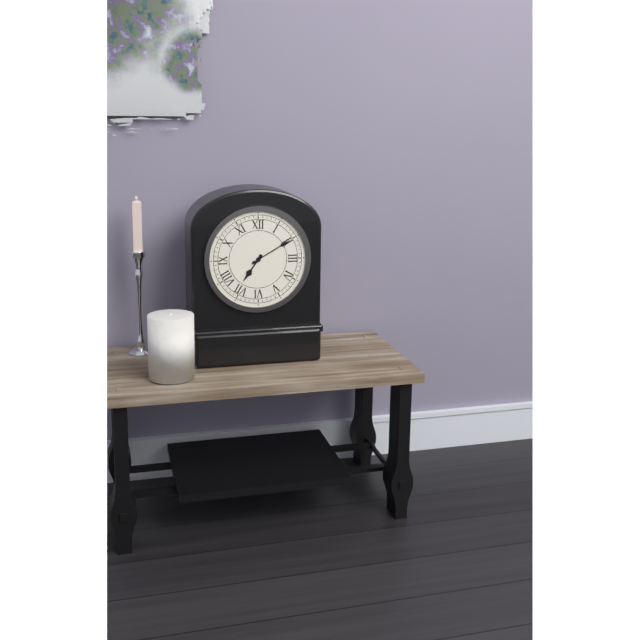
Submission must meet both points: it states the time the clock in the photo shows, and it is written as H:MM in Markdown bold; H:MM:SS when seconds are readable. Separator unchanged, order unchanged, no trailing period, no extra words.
**7:10**
